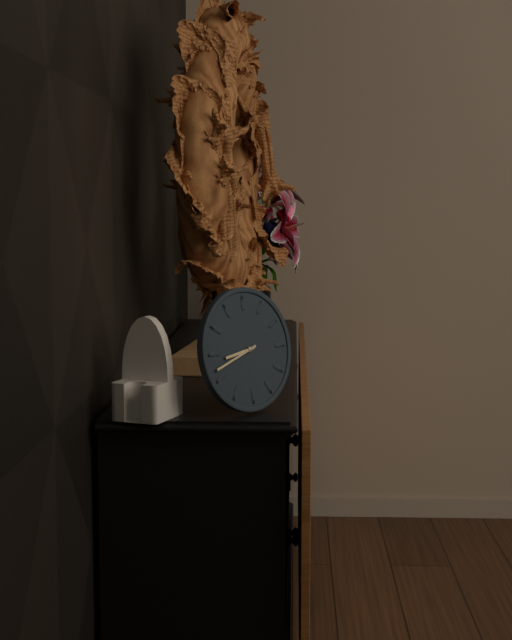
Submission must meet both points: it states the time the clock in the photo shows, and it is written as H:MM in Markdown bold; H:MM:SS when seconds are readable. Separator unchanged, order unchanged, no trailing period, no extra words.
**8:42**
